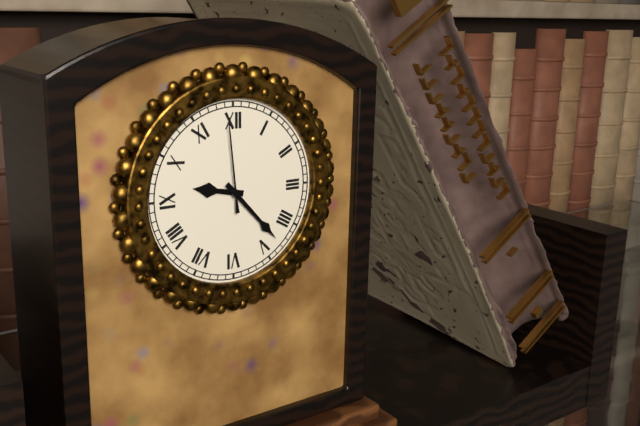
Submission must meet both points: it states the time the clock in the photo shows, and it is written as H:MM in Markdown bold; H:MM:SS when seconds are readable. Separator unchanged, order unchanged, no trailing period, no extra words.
**9:23:59**
